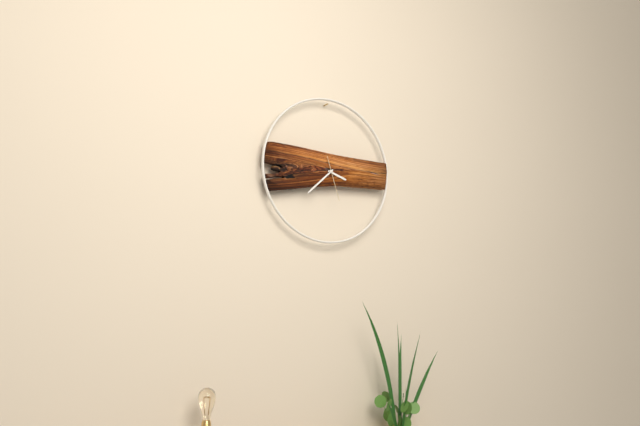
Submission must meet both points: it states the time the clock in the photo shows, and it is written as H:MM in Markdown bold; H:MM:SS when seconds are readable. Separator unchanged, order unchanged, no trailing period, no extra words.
**3:38**
